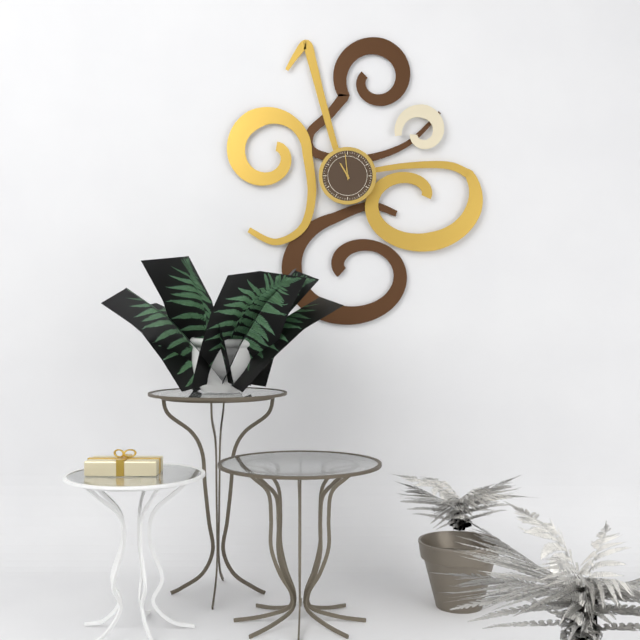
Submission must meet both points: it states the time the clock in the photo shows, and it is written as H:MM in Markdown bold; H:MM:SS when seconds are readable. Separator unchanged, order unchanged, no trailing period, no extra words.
**10:59**
